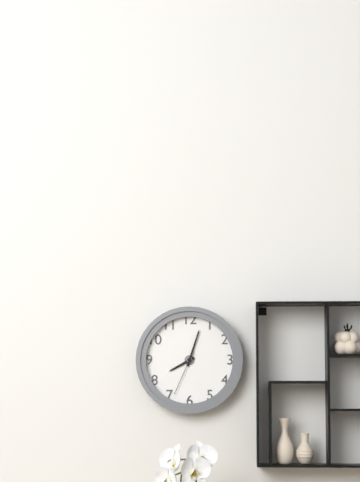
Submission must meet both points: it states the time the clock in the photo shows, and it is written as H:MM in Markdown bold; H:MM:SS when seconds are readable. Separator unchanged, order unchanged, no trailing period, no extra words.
**8:03**
